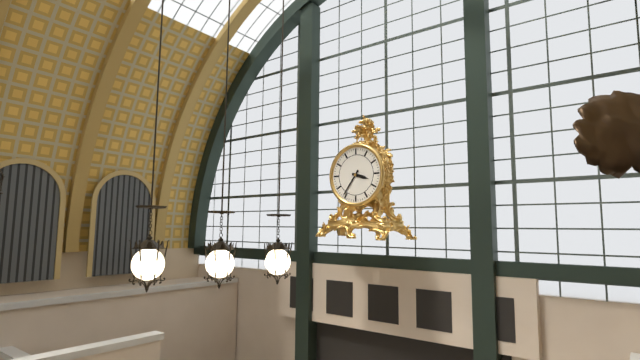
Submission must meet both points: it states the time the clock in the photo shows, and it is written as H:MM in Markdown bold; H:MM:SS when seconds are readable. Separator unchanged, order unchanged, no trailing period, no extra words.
**3:36**
